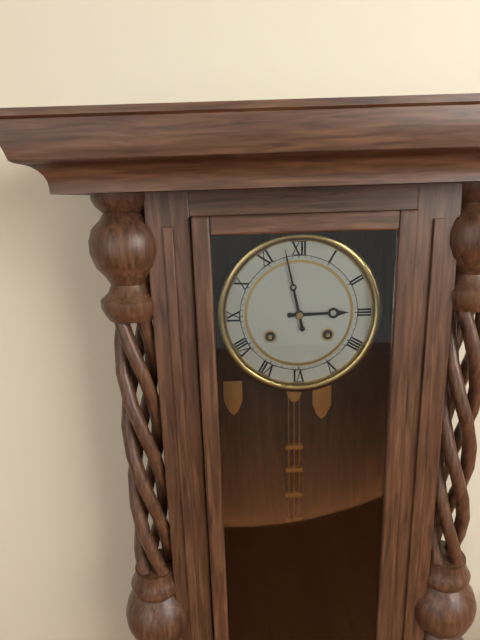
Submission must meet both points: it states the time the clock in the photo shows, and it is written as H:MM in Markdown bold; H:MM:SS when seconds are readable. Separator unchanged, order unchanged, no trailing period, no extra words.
**2:58**
